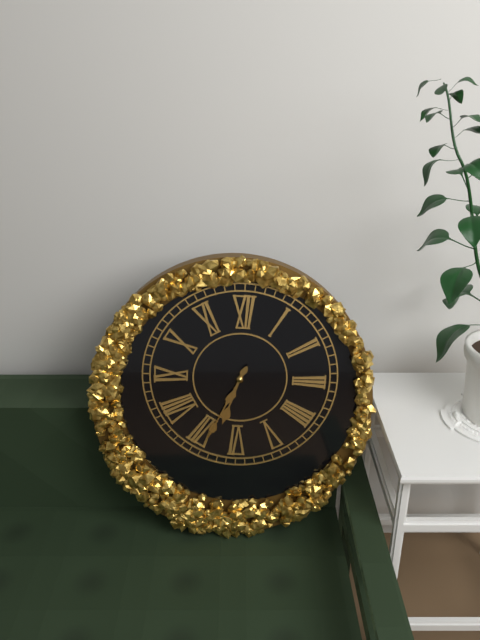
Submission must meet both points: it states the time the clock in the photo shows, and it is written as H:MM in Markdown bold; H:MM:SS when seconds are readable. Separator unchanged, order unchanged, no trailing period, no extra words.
**6:34**
